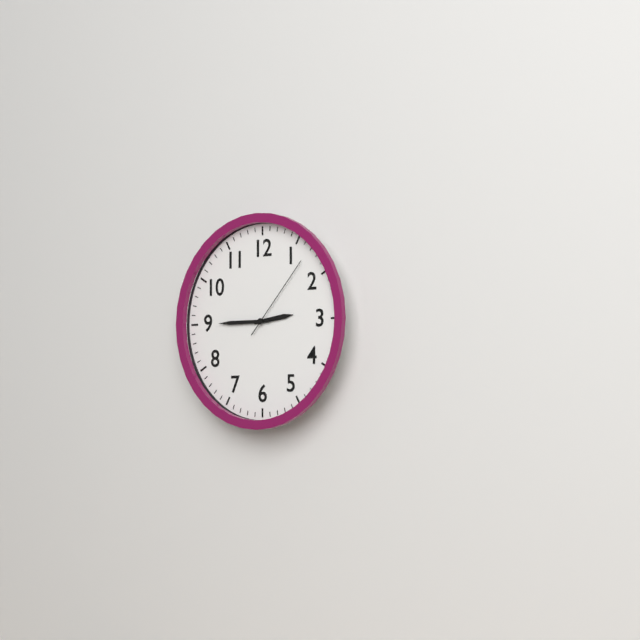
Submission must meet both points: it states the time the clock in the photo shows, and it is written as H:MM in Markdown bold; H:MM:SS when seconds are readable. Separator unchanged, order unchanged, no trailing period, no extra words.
**2:45:07**
